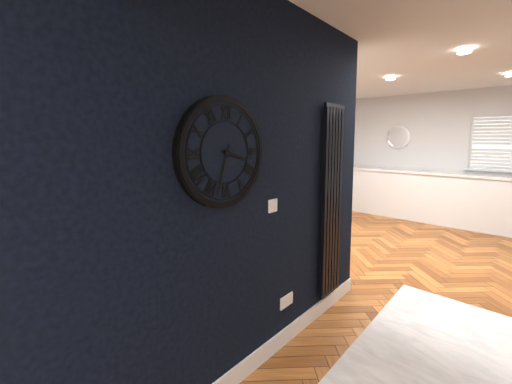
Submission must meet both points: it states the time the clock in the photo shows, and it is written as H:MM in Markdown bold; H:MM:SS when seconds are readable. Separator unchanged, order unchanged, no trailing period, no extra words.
**3:33**
